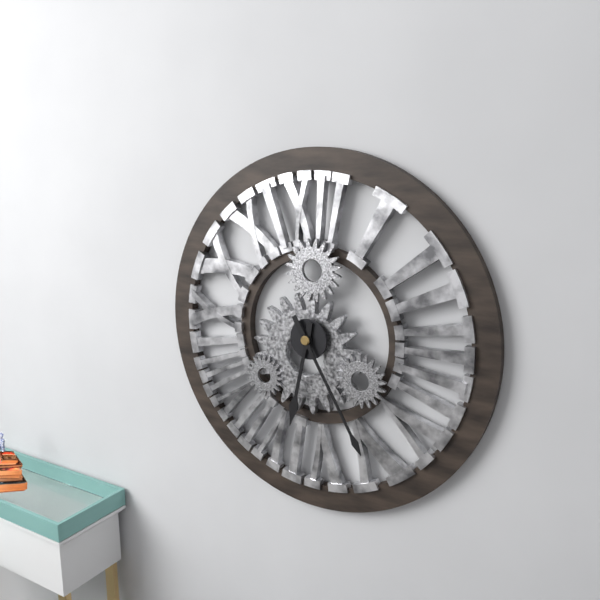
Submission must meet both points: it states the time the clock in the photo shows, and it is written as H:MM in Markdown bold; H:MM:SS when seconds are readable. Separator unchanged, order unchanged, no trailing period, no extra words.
**6:25**
